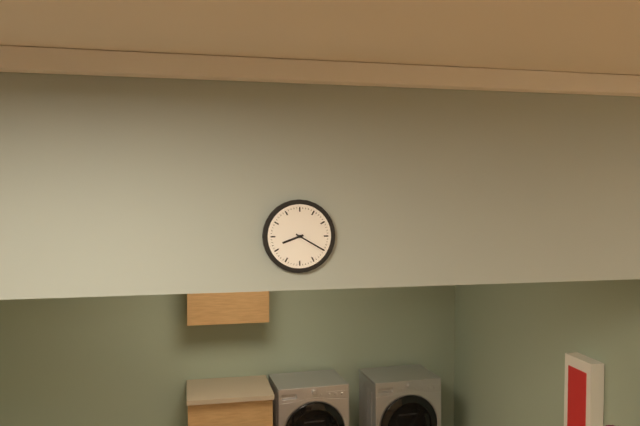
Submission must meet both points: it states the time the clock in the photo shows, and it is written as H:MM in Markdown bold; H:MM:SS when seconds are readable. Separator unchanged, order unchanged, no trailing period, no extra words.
**8:20**
